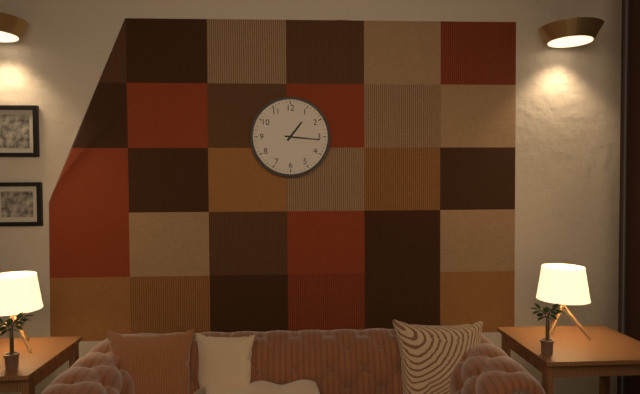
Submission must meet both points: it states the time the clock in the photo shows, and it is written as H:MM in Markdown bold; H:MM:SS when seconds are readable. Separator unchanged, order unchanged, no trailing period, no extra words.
**1:16**
